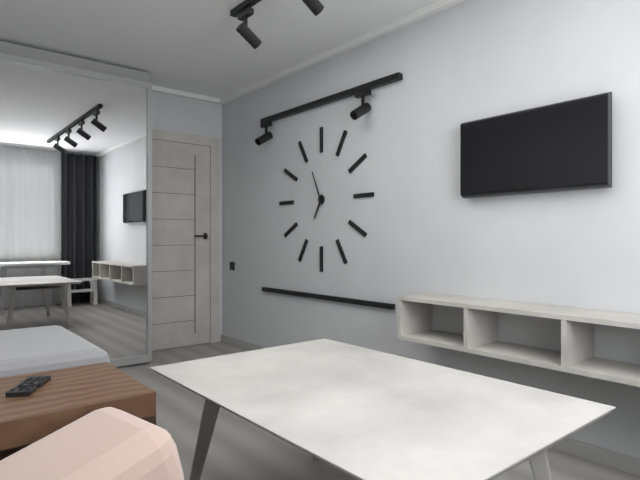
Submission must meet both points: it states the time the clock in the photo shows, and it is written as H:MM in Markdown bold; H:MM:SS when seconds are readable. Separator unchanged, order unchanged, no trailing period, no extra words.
**6:56**
